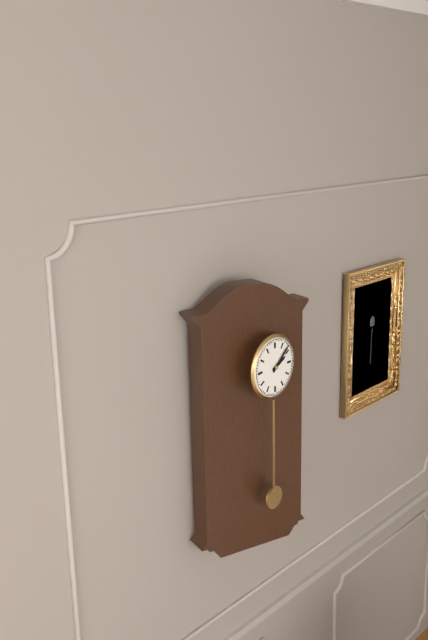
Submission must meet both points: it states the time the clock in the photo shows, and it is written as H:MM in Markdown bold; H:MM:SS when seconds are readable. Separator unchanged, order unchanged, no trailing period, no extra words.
**2:08**
